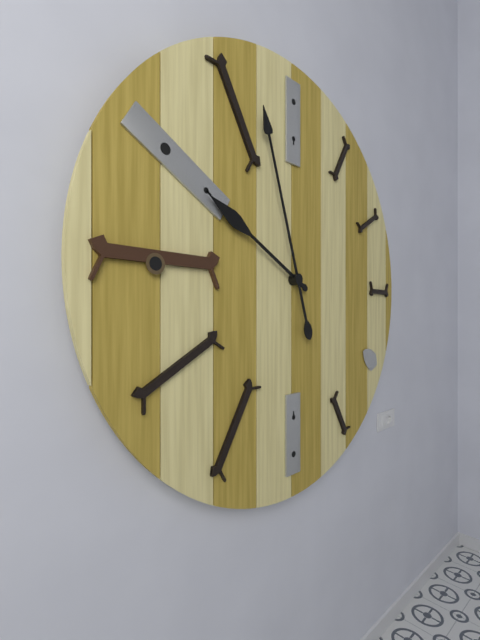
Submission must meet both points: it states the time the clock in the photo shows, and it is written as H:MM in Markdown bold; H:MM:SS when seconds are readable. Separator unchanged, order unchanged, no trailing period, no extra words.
**9:57**
